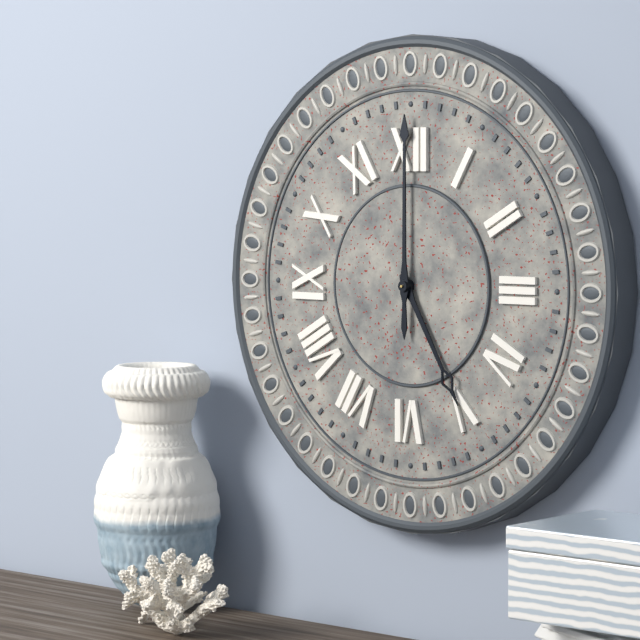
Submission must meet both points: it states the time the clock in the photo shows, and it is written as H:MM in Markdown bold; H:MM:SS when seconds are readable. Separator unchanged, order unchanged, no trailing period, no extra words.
**5:00**
